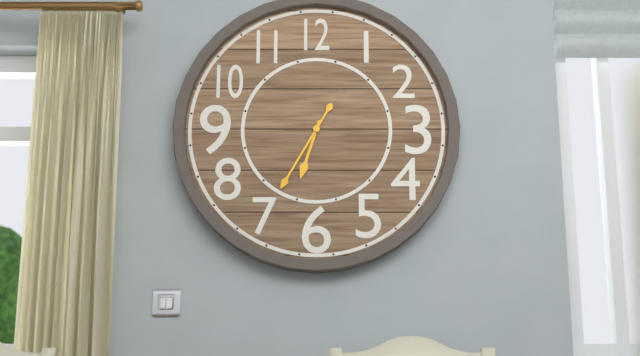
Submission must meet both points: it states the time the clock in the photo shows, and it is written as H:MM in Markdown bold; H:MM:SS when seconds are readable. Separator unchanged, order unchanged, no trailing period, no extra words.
**6:35**
